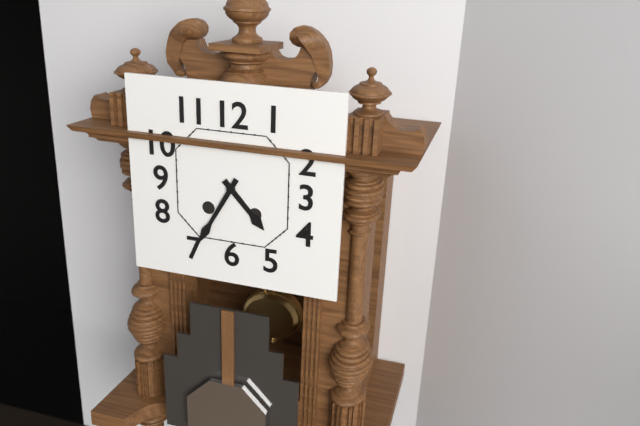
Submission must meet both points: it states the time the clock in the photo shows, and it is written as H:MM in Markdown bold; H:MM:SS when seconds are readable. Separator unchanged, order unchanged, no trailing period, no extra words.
**4:35**
